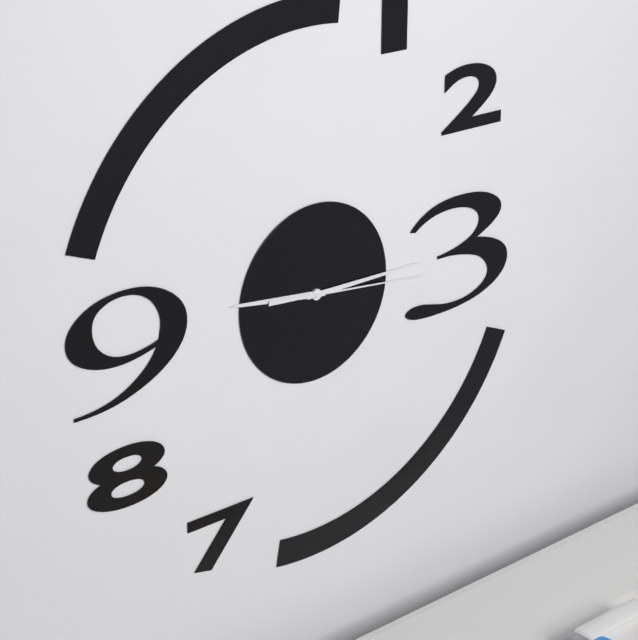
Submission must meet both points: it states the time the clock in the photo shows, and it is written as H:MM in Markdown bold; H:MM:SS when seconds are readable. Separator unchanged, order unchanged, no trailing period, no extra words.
**9:15:16**
